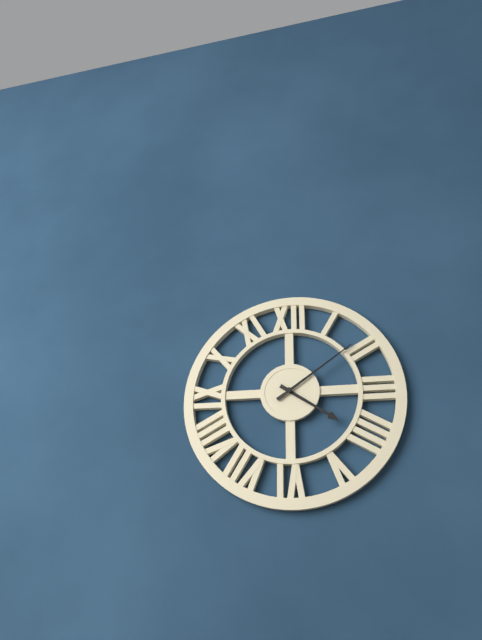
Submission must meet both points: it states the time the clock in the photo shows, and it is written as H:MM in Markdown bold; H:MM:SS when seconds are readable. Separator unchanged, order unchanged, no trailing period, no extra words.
**4:09**
